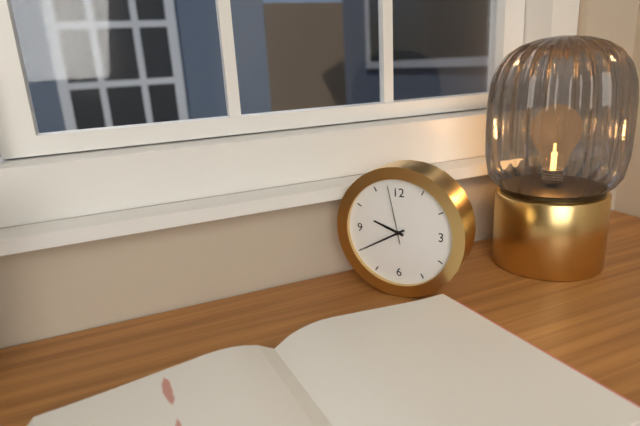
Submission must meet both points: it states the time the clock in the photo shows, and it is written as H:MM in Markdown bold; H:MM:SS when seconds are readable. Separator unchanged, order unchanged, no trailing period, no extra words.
**9:40:58**
